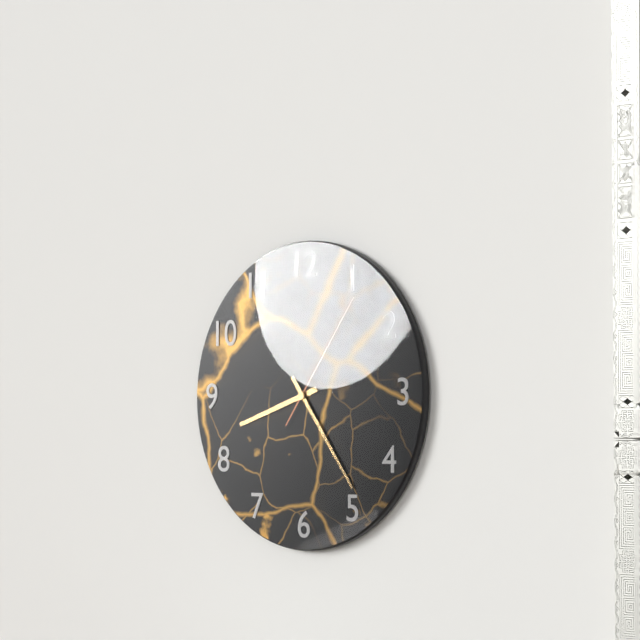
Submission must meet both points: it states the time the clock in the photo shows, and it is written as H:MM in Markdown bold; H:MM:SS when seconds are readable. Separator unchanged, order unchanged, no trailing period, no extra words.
**8:24:06**
